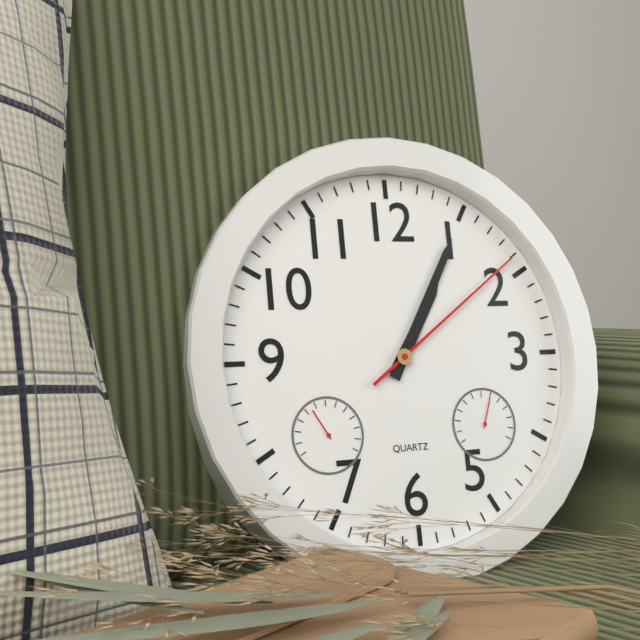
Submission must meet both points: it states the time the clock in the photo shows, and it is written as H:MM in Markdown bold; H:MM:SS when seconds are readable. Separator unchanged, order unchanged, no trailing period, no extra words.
**1:05:09**
